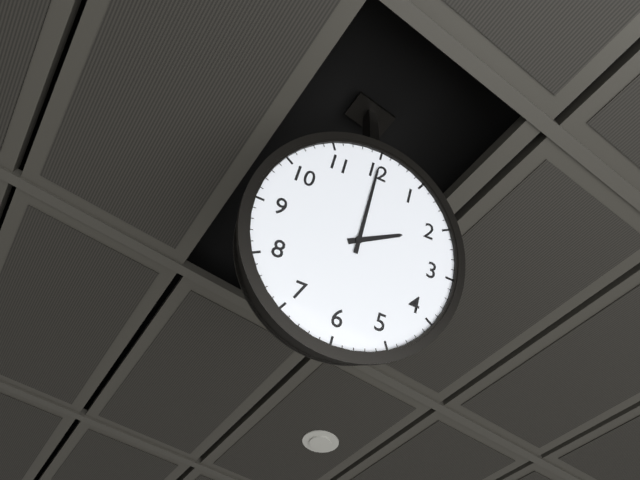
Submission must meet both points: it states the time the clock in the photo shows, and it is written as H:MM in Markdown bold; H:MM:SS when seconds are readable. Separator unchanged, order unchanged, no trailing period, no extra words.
**2:00**
